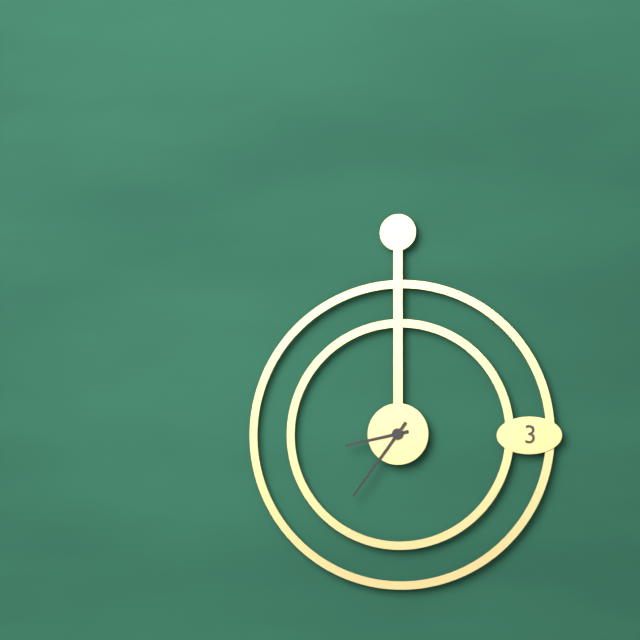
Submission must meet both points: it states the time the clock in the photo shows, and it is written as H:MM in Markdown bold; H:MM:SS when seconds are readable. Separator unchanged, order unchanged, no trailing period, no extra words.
**8:36**
